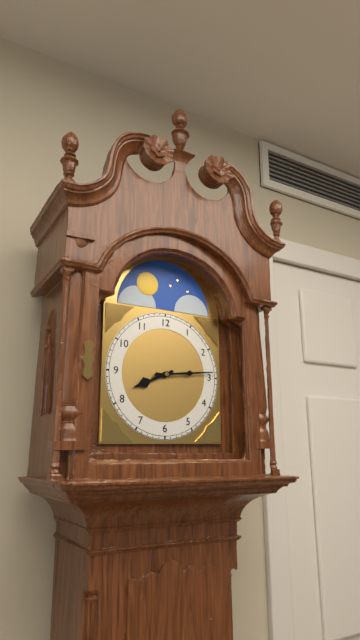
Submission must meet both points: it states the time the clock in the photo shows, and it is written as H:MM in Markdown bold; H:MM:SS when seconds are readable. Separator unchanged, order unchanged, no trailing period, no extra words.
**8:14**
